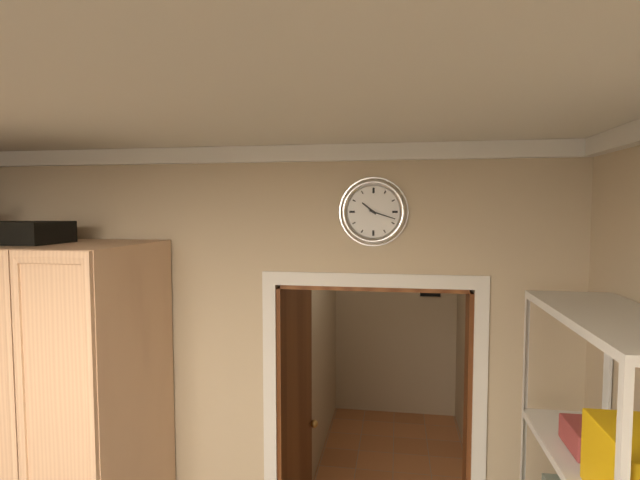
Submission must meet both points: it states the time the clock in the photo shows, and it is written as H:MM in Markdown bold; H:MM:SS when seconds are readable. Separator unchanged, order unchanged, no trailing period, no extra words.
**10:18**
